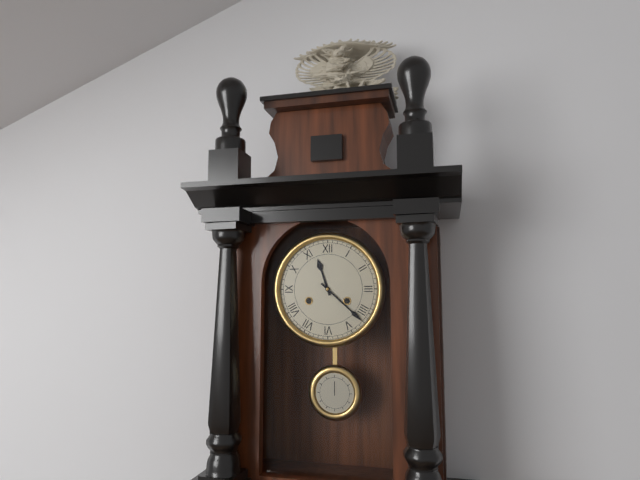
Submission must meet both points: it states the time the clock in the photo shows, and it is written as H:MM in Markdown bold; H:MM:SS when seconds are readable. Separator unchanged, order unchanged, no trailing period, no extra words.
**11:22**
